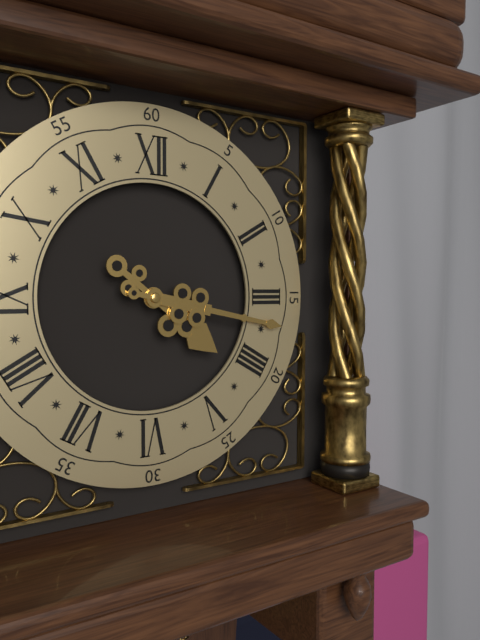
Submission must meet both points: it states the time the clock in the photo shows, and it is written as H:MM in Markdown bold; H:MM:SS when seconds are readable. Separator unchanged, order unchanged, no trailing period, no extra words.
**4:17**
